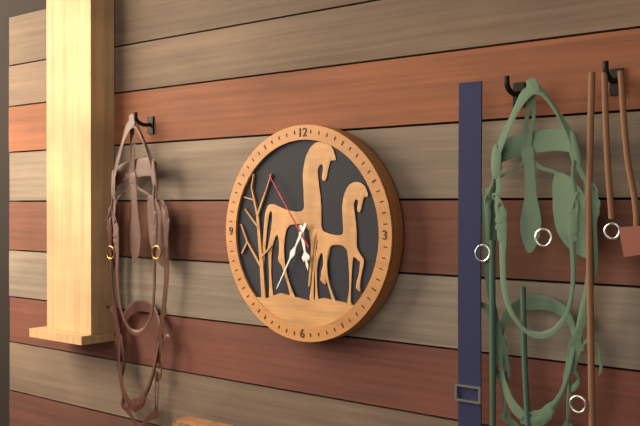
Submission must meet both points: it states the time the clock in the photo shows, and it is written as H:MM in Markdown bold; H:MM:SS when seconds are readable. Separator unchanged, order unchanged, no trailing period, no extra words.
**5:35:54**
